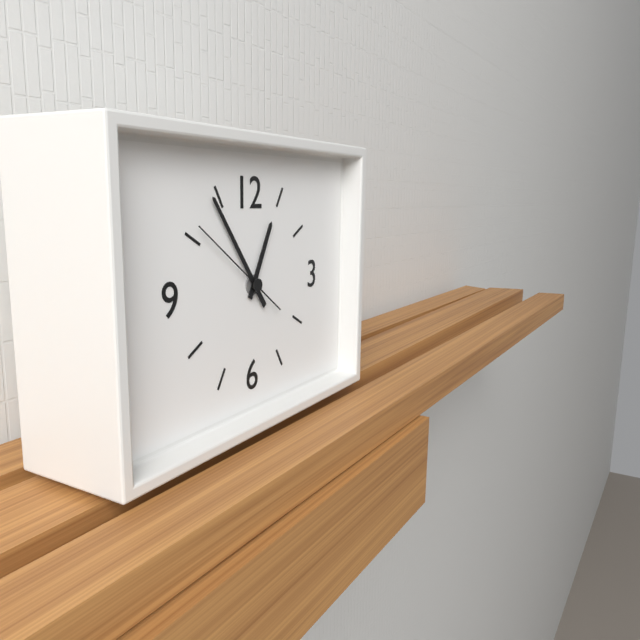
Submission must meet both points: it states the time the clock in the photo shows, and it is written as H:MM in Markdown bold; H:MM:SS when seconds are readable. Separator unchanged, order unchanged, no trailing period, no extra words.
**12:54:51**
